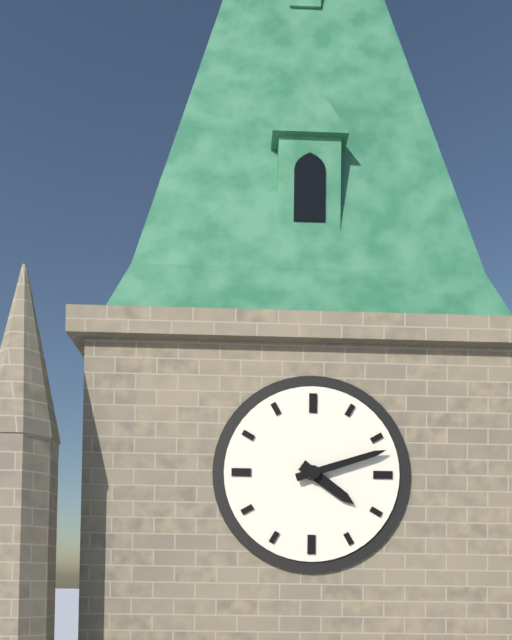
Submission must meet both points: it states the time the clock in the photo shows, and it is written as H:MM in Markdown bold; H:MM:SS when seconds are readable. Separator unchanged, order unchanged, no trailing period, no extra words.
**4:12**
